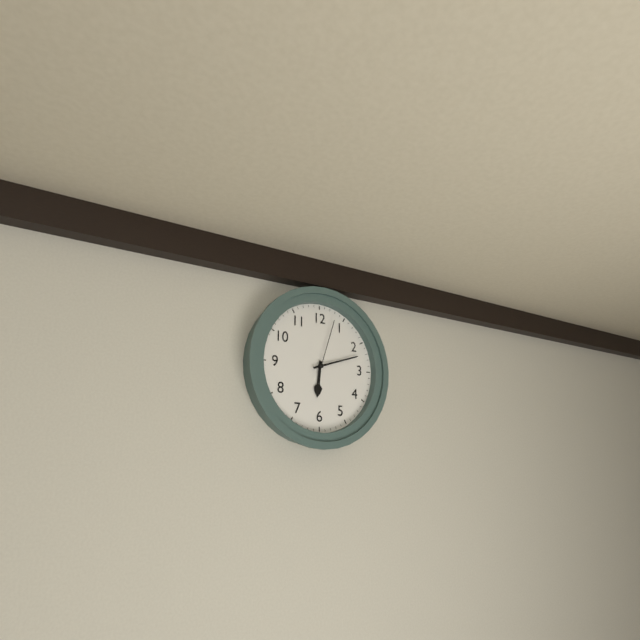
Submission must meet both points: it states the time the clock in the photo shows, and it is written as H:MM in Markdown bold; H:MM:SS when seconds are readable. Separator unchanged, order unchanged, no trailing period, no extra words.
**6:12:03**
